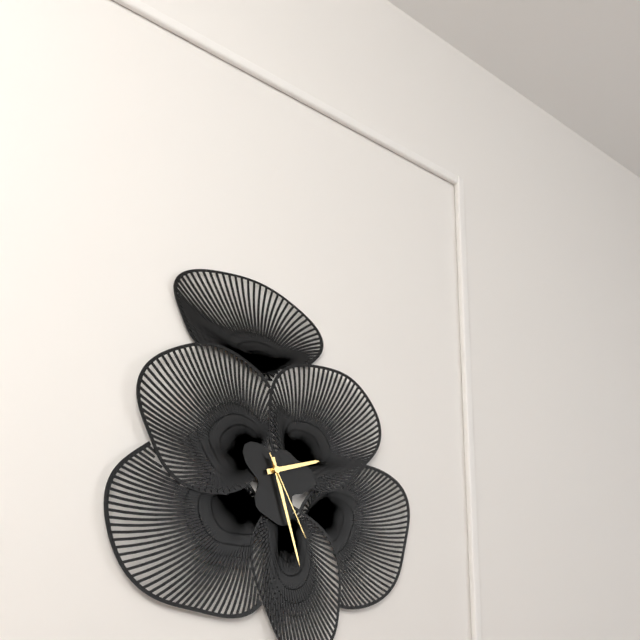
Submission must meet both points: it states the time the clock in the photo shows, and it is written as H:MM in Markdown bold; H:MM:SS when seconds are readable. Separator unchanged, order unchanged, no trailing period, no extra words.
**2:27:25**
